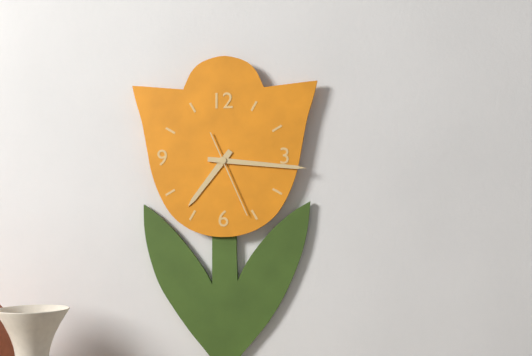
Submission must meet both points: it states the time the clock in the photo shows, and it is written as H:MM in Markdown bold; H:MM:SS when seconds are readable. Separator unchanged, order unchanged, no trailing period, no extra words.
**7:16:26**
